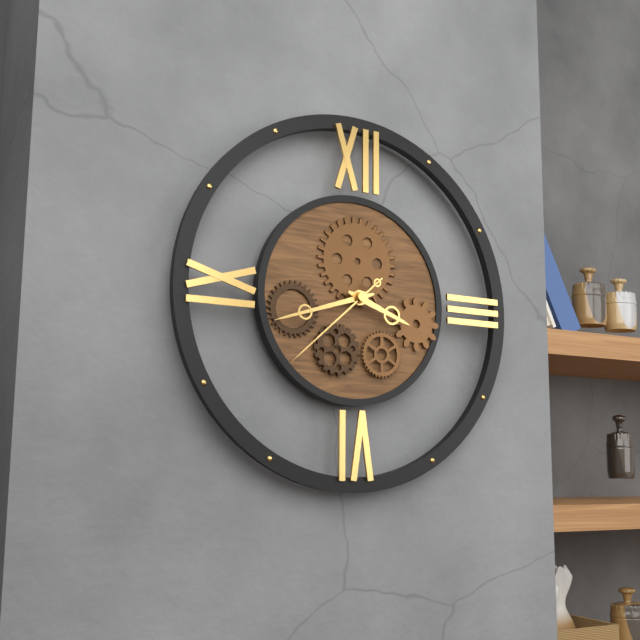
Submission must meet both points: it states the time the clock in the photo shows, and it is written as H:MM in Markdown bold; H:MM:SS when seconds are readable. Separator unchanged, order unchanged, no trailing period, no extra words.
**3:42:38**
